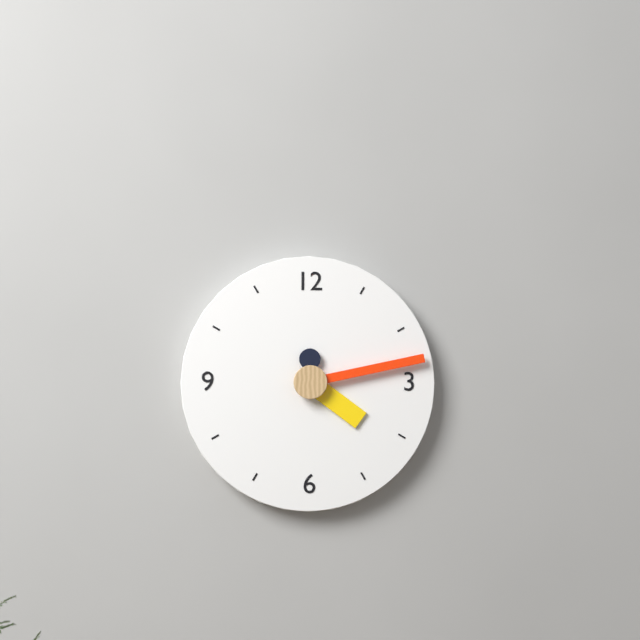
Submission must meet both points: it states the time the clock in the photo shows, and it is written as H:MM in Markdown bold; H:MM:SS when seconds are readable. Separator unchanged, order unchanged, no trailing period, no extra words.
**4:13**
